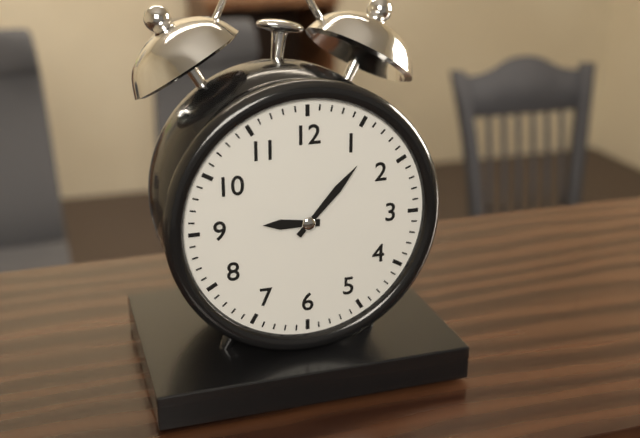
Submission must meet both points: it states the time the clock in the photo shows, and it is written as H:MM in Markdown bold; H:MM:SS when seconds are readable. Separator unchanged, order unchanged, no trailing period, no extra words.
**9:07**
